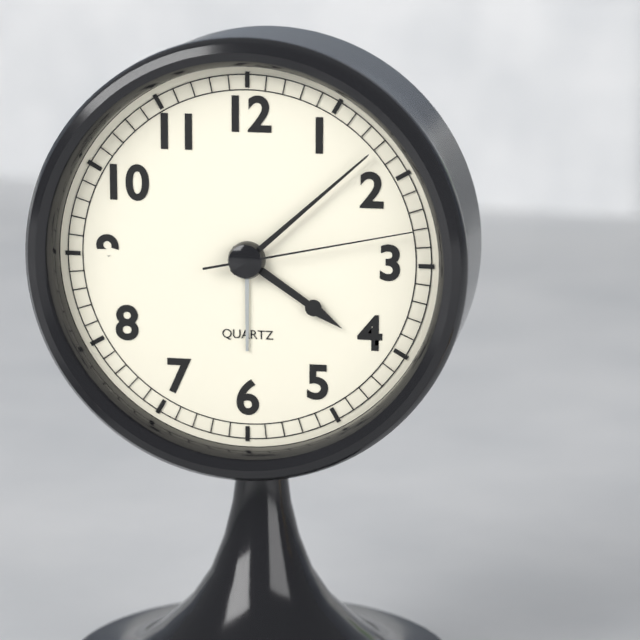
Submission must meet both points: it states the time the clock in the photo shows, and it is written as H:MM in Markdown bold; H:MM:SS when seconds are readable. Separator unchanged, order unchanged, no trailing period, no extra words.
**4:08:13**
